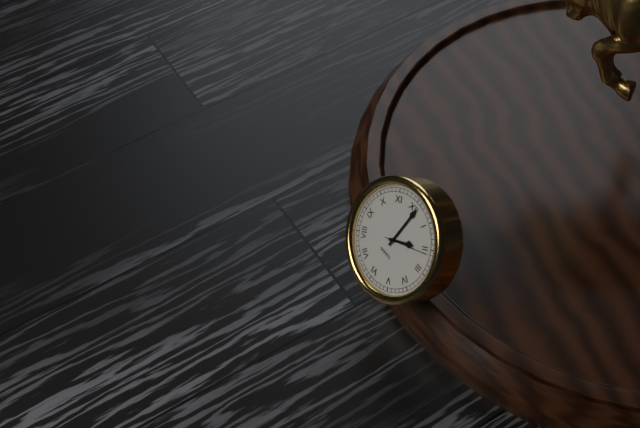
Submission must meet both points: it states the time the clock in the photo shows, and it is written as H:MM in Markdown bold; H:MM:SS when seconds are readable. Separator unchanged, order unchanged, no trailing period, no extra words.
**2:01**
